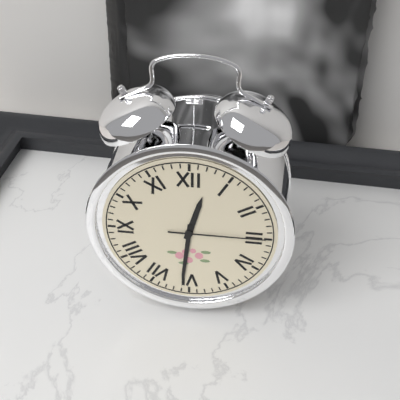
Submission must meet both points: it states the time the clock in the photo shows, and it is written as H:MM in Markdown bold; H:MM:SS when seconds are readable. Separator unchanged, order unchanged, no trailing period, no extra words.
**12:31:15**
